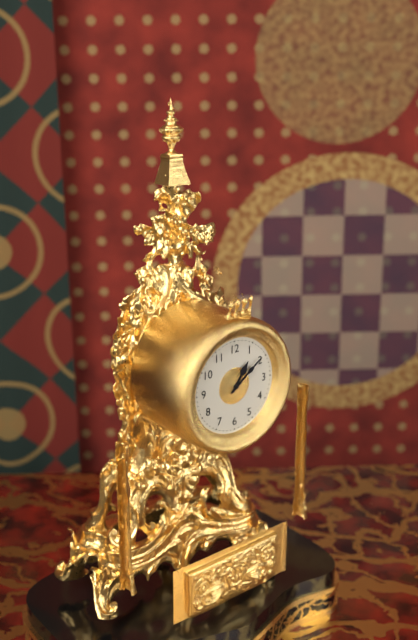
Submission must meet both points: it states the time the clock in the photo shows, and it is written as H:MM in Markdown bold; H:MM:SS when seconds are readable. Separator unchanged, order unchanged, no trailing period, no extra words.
**1:09**
